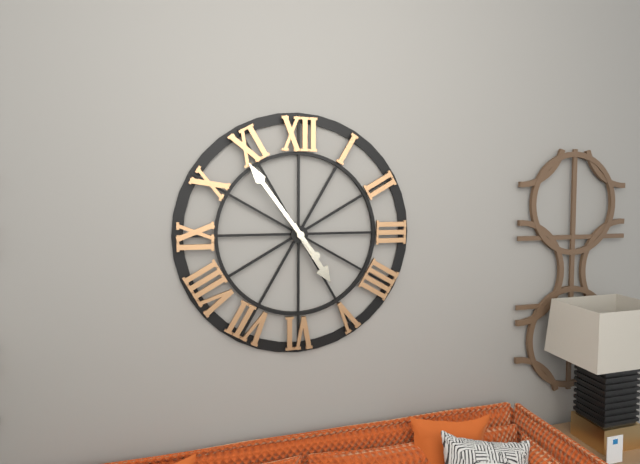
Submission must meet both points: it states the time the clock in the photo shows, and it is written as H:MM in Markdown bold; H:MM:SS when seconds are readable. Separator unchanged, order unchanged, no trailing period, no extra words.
**4:54**
